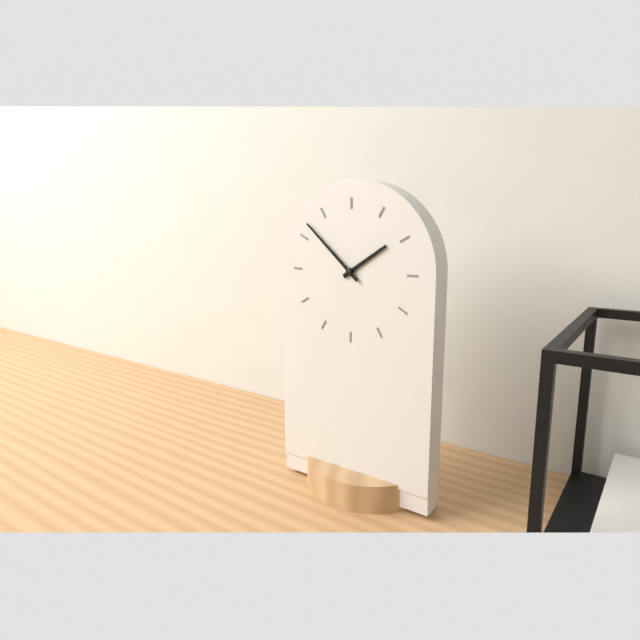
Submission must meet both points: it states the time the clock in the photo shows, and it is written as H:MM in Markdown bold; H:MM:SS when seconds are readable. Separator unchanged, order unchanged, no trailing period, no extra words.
**1:52**
